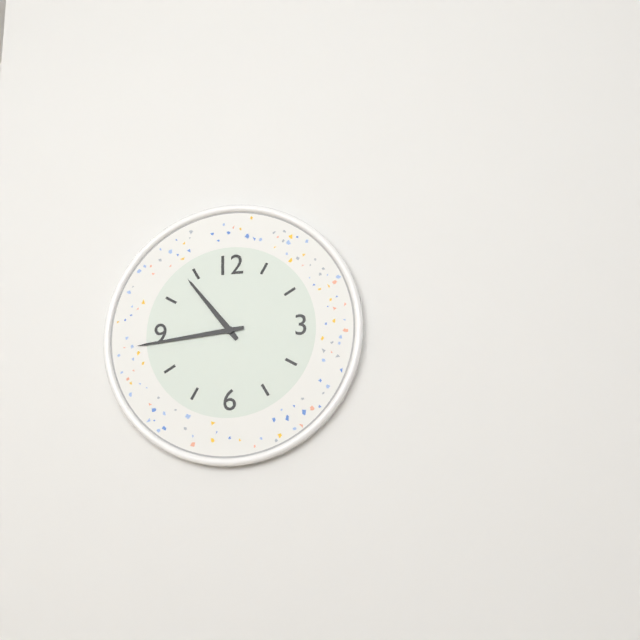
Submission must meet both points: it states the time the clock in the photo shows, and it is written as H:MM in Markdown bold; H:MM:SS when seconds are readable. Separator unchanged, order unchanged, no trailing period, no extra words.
**10:44**
